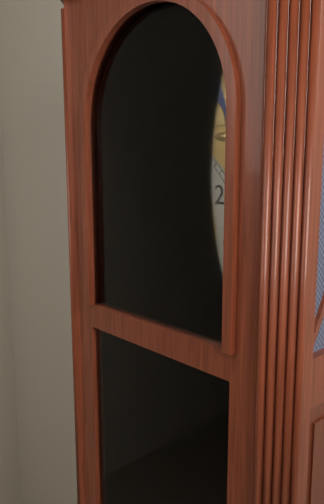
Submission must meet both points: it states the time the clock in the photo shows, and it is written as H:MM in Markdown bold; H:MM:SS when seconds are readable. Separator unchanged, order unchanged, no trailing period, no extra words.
**10:46**
